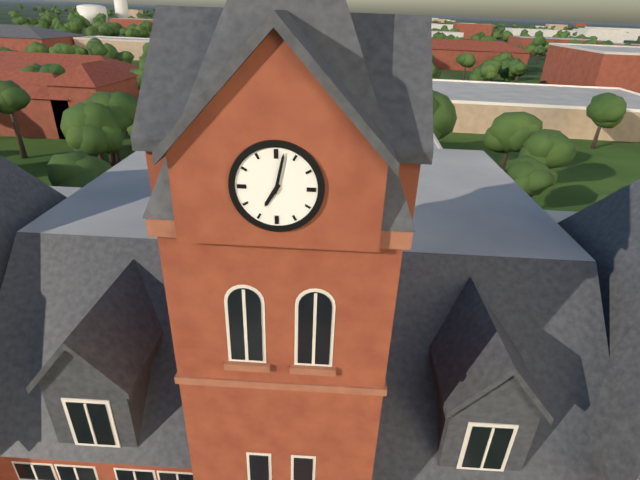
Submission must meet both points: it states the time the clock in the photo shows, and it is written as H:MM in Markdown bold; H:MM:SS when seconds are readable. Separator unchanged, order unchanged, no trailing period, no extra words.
**7:02**
